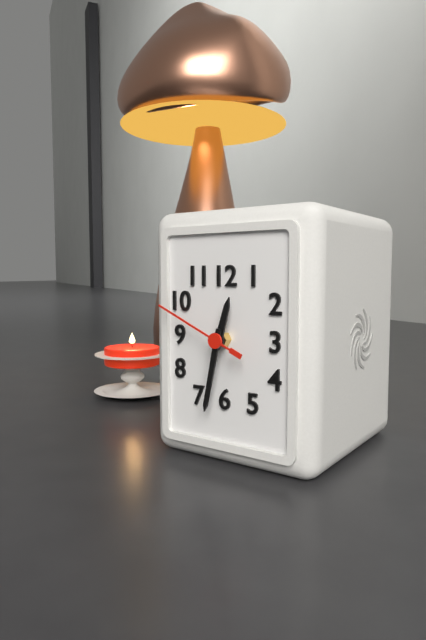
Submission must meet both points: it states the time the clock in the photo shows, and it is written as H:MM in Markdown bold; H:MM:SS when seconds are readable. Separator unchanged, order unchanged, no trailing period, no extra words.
**12:32:49**
